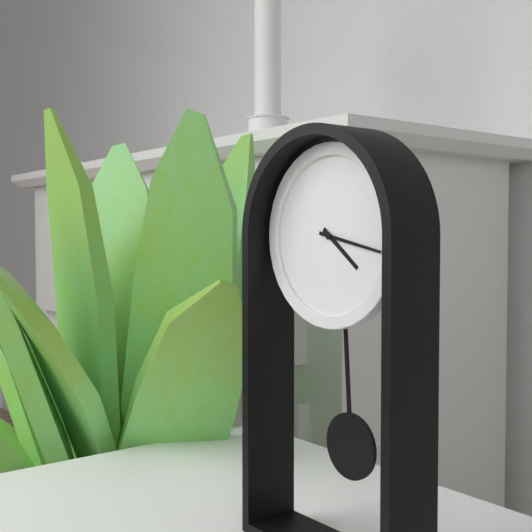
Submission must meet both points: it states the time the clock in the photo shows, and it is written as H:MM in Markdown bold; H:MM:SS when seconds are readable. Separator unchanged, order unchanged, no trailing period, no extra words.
**4:17**
